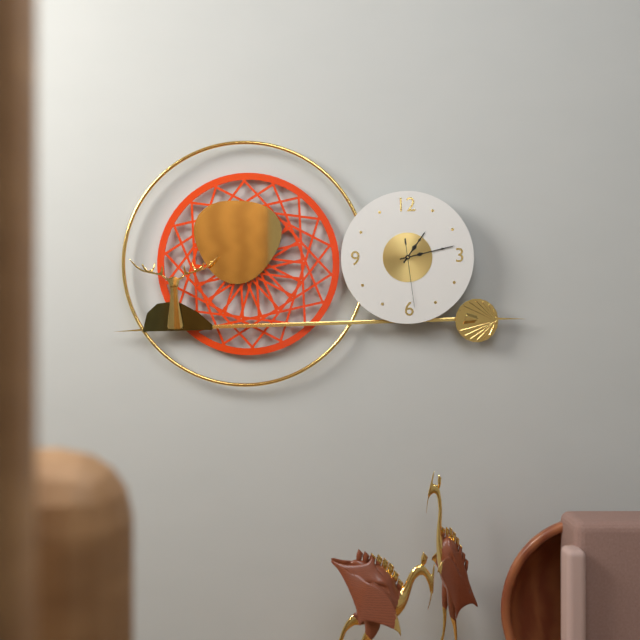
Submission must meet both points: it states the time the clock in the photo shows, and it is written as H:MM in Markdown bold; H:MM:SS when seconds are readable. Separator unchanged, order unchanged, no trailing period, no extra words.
**1:13:29**
